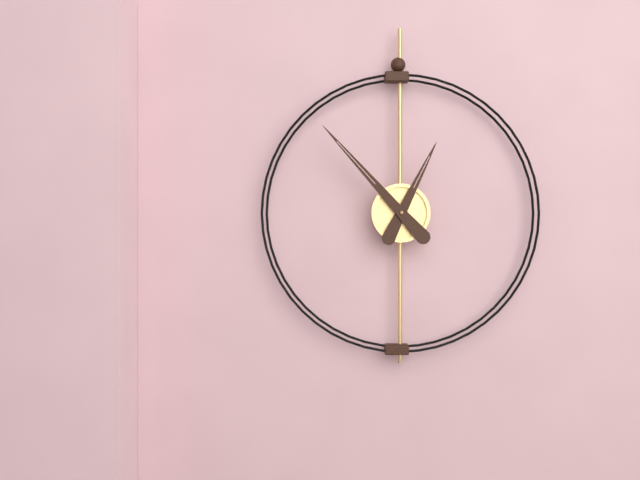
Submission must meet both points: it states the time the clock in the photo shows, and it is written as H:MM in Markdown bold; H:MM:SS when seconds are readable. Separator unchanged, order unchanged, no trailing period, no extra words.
**12:53**
